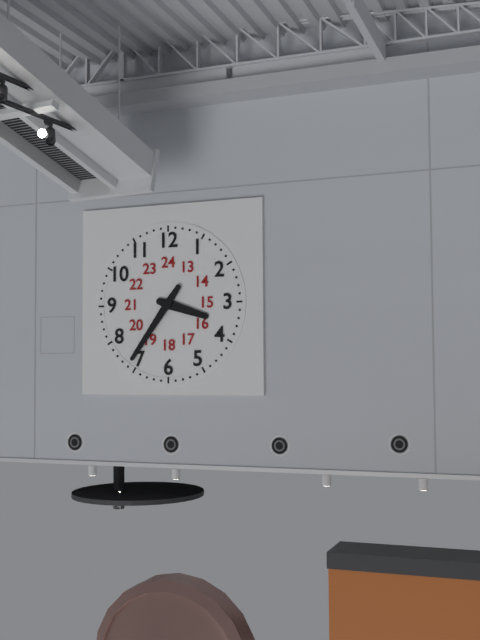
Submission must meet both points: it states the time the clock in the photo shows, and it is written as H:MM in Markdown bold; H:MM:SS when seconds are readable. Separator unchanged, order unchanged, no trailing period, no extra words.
**3:36**
